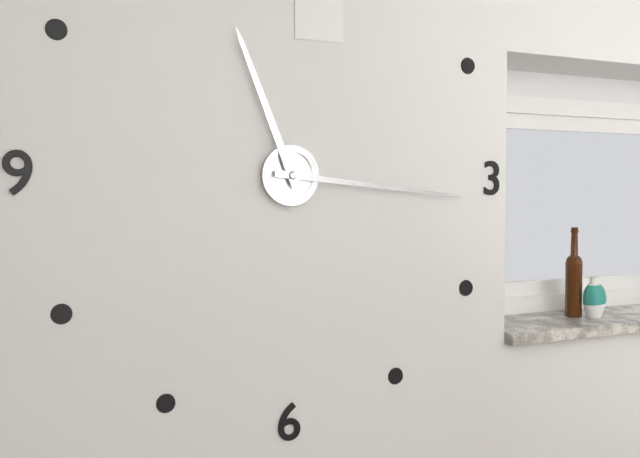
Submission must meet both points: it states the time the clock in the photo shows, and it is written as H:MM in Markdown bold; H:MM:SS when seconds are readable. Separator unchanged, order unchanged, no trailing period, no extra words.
**11:16**
